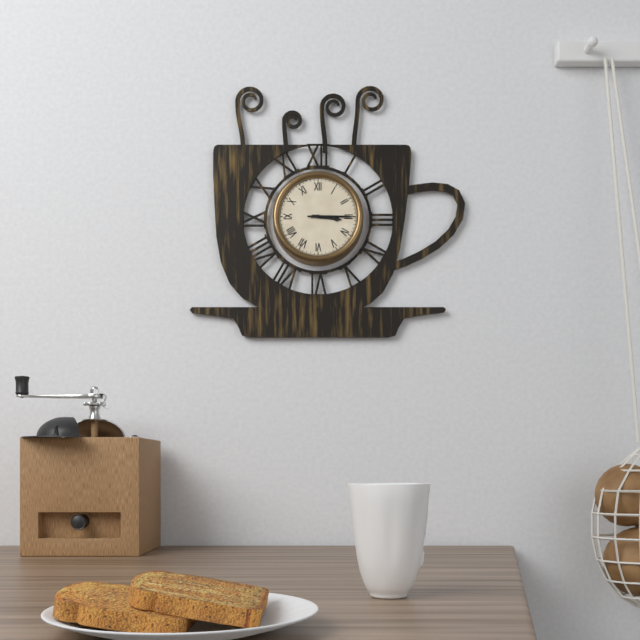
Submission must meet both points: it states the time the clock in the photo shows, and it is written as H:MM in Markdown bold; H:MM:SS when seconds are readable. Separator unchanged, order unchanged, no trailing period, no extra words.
**3:15**
